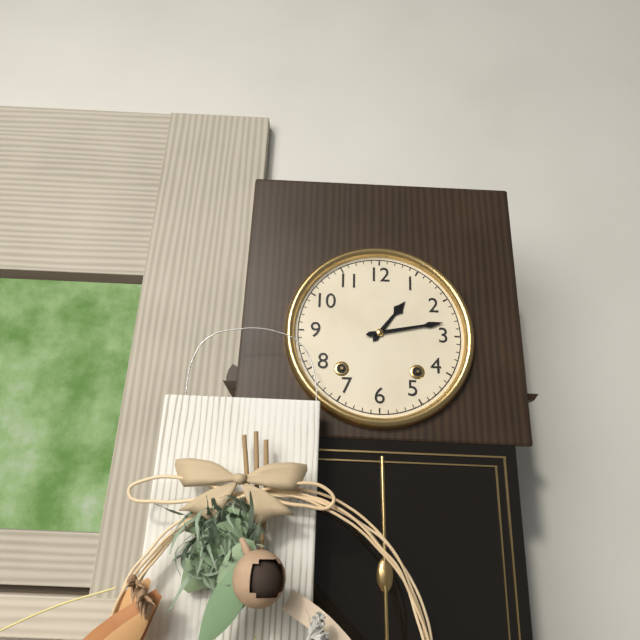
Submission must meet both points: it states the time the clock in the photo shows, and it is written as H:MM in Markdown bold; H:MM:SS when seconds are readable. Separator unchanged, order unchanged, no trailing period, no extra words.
**1:13**
